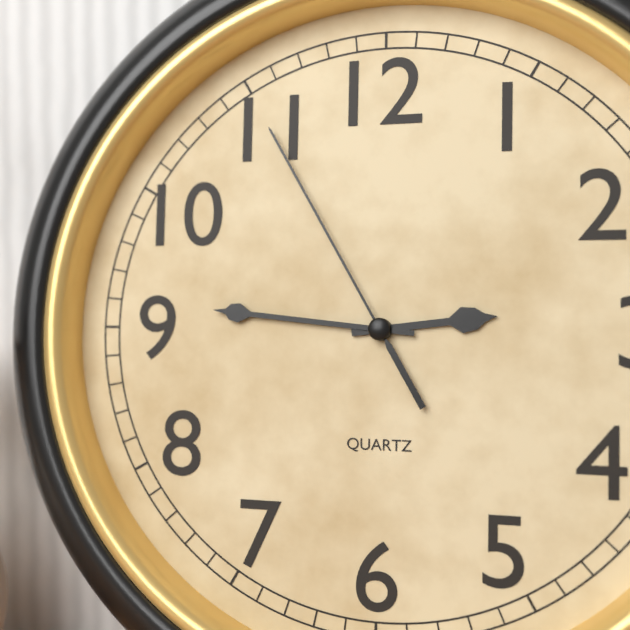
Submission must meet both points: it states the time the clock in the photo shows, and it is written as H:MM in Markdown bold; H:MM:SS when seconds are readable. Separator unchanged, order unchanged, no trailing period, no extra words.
**2:46:55**
